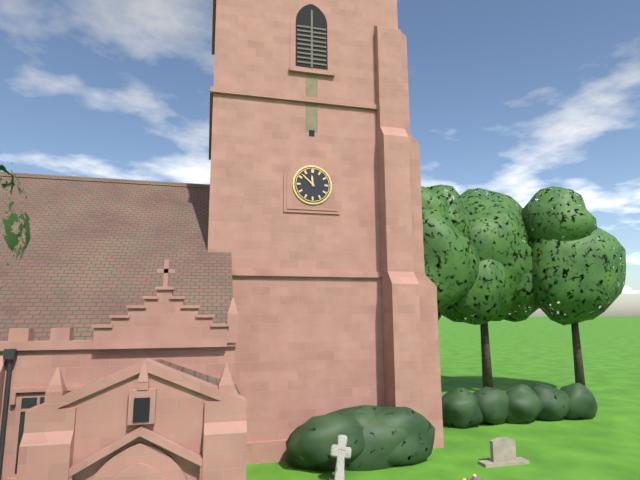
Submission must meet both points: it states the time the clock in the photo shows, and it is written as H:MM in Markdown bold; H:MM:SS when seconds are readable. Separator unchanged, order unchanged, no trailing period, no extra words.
**11:52**
